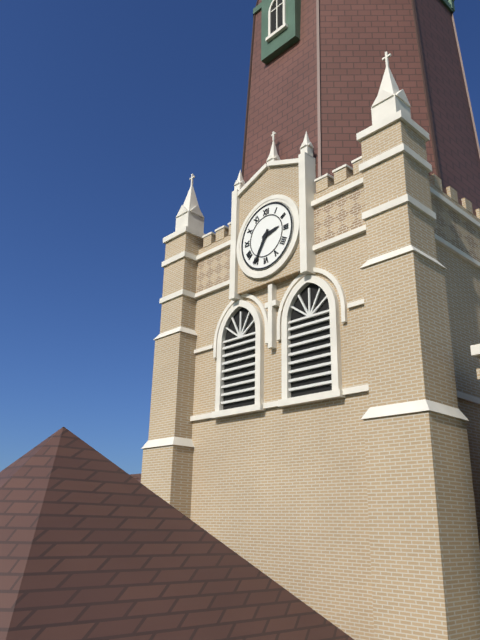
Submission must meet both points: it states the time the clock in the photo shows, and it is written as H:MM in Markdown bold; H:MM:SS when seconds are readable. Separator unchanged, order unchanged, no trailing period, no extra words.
**2:35**
